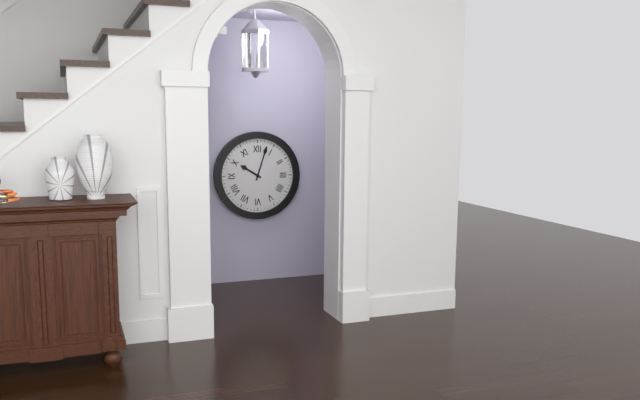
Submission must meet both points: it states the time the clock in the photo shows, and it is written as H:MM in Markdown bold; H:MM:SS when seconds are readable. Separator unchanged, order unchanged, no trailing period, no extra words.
**10:03**
